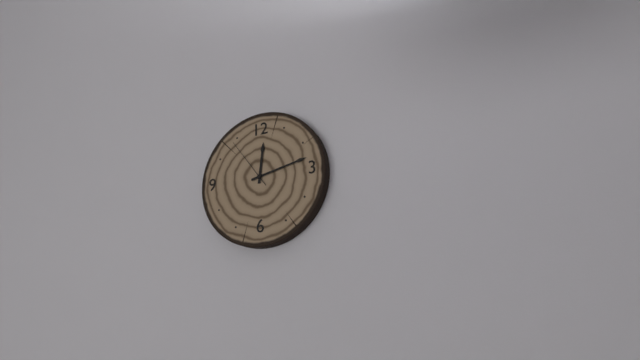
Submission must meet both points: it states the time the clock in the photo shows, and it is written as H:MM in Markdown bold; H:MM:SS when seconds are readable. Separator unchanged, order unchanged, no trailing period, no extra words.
**12:13:54**
